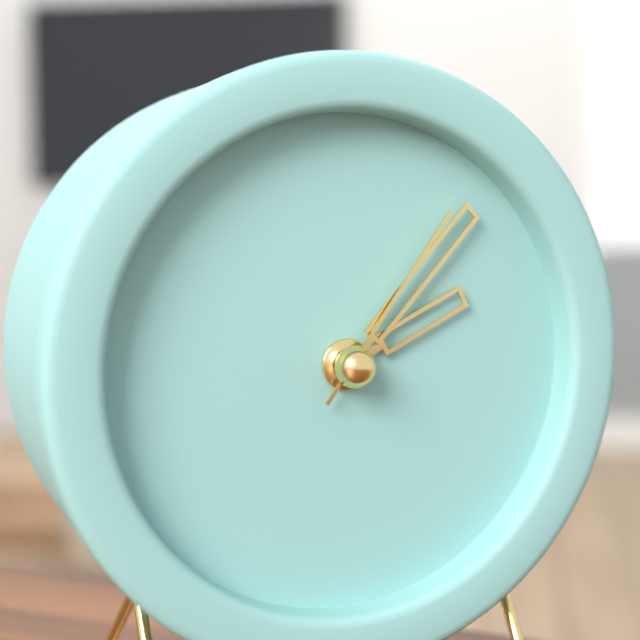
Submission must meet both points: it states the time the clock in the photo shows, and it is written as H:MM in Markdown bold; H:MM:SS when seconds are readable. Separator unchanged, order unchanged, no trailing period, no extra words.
**2:07:06**
